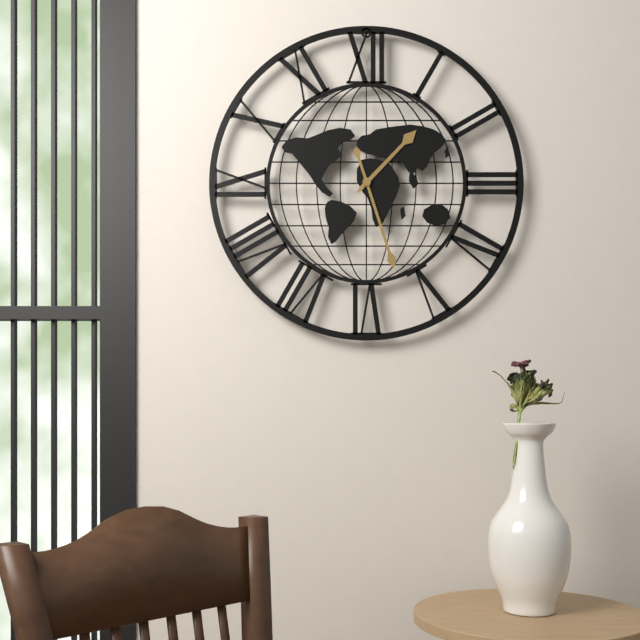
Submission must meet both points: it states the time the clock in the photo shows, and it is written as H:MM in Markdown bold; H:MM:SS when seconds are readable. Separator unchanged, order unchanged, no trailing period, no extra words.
**1:27**
